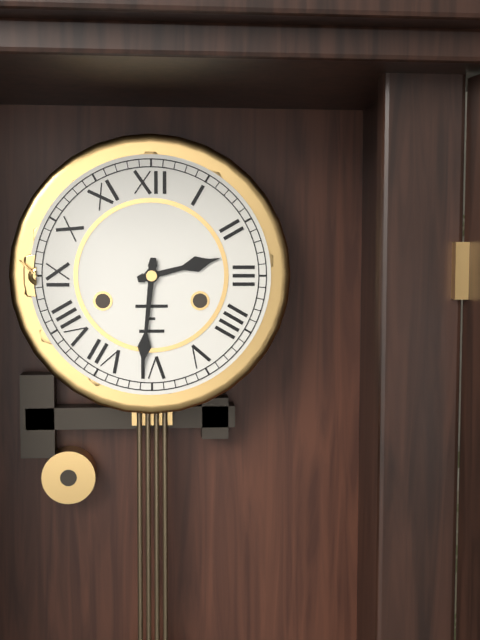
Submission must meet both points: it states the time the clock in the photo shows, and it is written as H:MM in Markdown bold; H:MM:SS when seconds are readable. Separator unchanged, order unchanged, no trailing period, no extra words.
**2:31**
